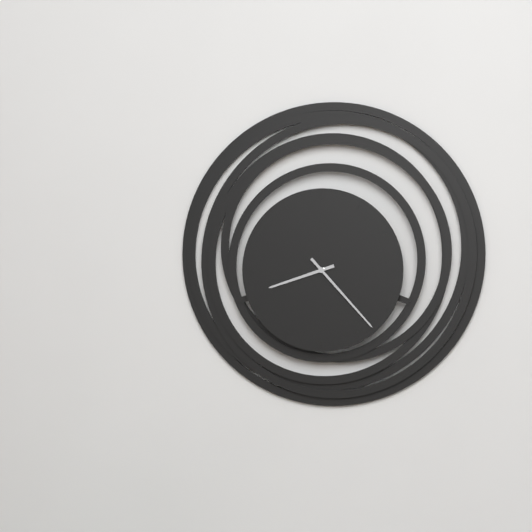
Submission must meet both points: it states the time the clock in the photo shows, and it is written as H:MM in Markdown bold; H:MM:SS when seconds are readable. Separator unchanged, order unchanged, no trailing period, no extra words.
**8:23**
